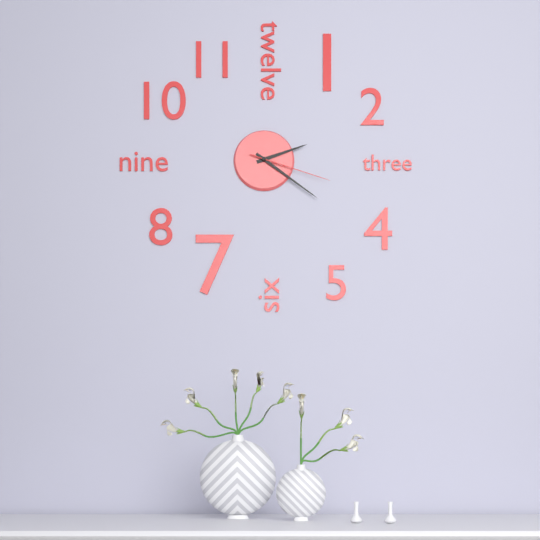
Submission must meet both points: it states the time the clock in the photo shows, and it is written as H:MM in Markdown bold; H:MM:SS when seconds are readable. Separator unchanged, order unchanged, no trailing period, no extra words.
**2:21:18**
